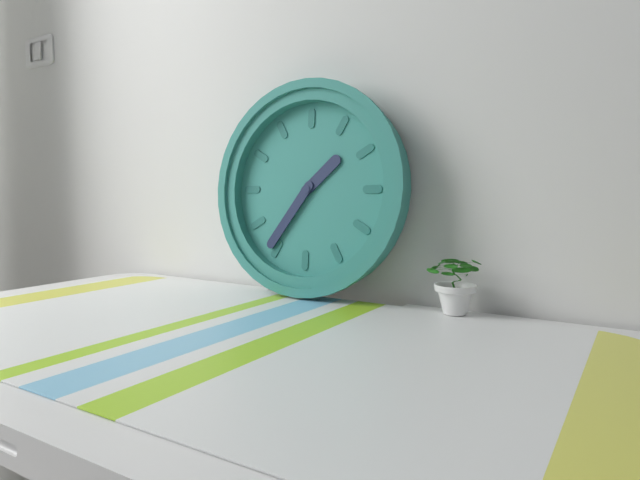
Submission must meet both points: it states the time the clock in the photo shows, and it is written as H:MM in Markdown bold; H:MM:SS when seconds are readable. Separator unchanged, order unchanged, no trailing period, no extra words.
**1:36**
